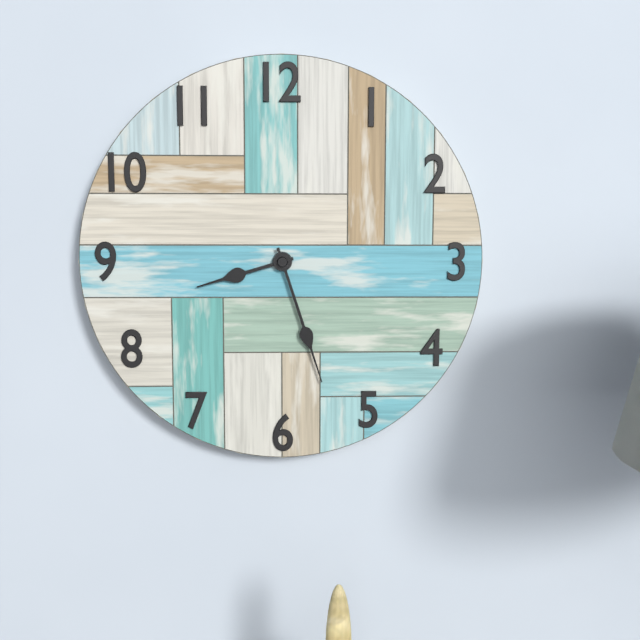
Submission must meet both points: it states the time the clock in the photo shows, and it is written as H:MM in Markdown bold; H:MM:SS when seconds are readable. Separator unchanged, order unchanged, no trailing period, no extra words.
**8:27**
